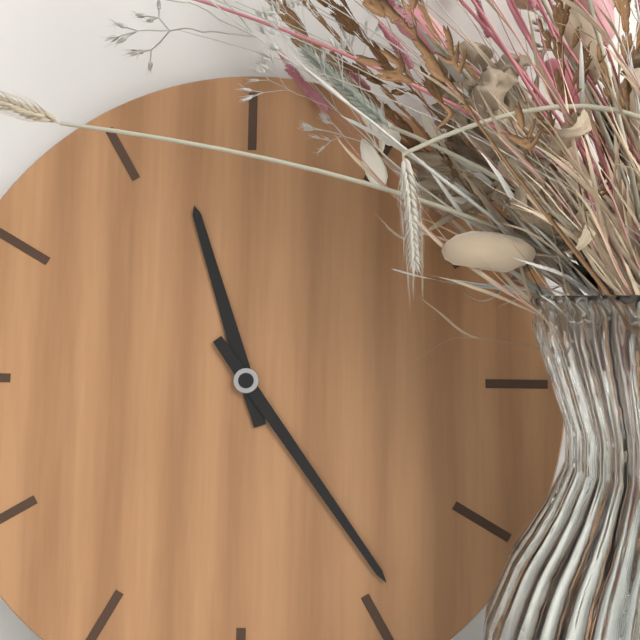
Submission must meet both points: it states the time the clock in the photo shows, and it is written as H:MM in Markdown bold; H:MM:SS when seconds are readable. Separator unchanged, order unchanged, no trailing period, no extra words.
**11:24**
